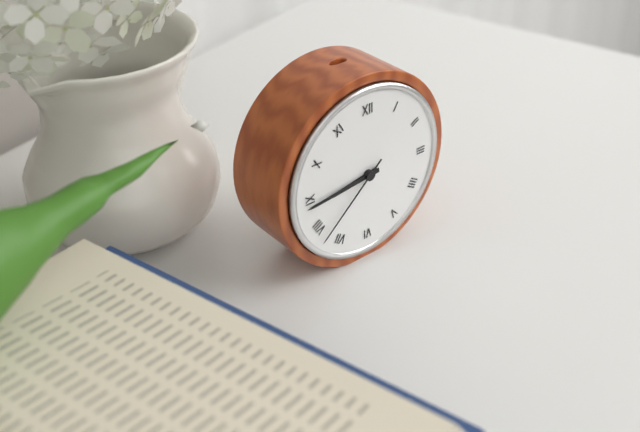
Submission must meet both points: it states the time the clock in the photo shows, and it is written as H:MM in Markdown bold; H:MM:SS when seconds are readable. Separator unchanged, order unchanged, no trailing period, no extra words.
**8:44:38**
